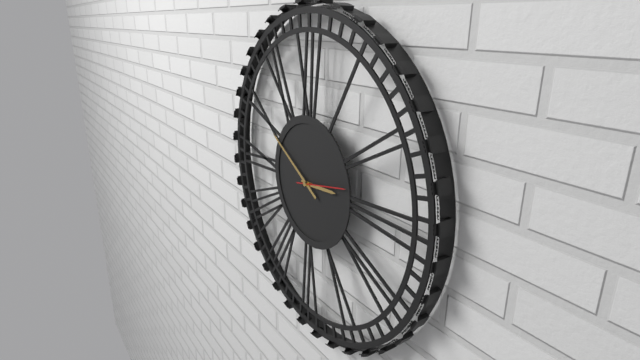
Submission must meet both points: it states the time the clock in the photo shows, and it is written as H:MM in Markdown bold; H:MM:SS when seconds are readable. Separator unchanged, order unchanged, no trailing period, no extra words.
**2:50:13**
